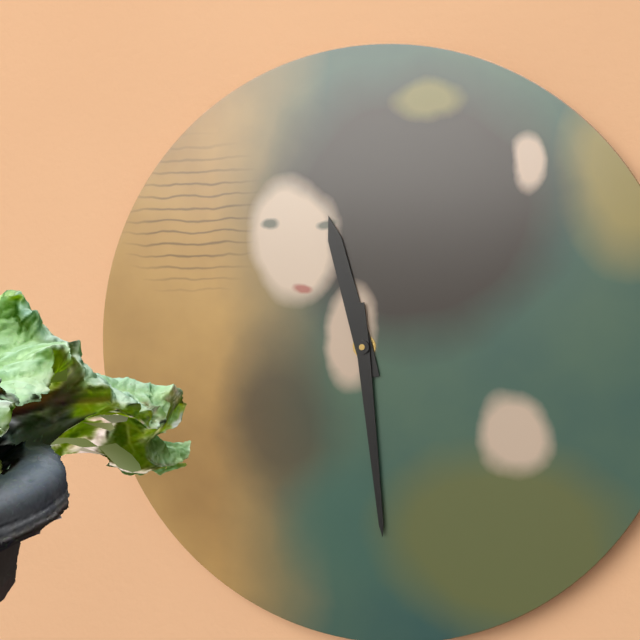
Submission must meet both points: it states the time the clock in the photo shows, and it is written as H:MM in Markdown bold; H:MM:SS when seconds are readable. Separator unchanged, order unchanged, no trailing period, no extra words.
**11:29**
